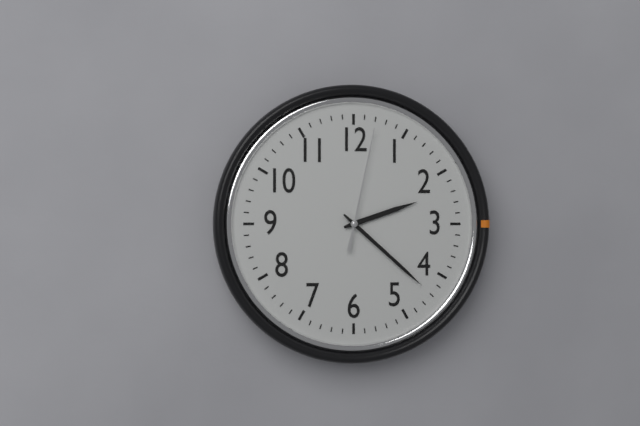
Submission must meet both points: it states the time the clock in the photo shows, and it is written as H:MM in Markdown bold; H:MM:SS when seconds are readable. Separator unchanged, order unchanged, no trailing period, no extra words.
**2:22:02**
